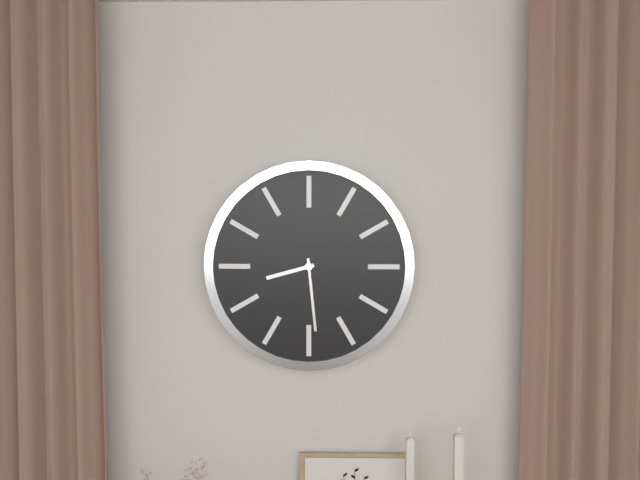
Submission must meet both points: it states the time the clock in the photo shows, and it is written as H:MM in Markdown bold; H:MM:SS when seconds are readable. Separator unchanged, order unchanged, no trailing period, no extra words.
**8:29**
